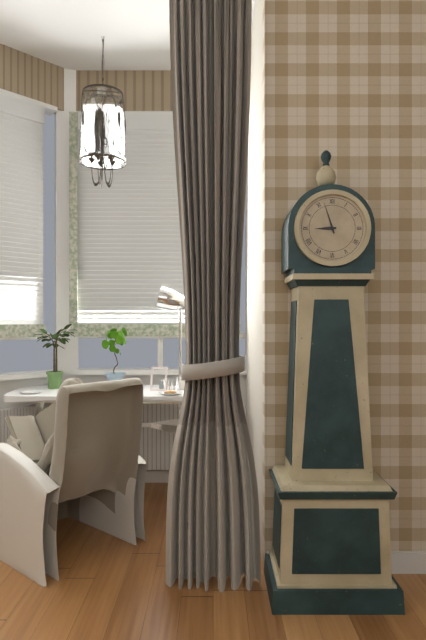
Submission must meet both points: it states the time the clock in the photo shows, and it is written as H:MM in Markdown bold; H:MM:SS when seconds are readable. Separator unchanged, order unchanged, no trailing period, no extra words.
**8:57**
